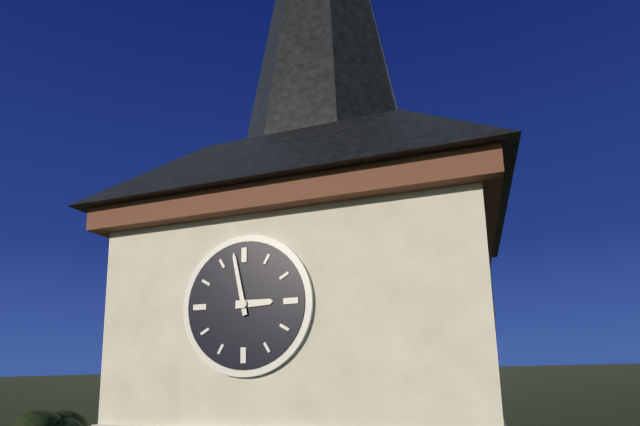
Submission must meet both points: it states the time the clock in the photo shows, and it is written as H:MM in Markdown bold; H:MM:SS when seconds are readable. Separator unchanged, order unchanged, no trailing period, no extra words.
**2:58**
